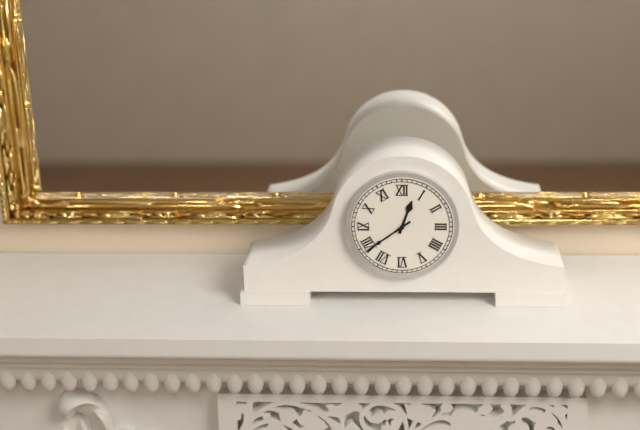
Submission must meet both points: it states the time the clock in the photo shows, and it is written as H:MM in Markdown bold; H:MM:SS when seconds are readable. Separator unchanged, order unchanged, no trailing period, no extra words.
**12:39**
